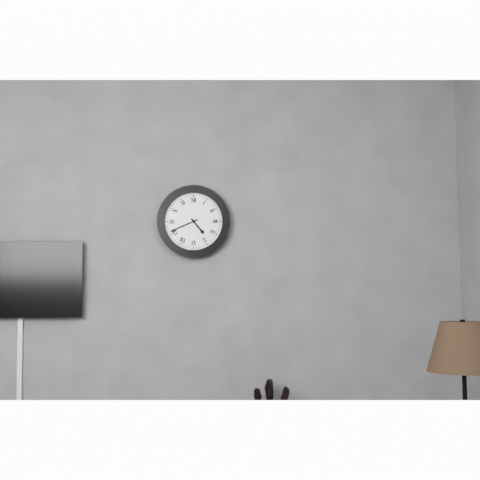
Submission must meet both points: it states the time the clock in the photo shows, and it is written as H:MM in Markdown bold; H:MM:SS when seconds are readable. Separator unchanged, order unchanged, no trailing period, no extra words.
**4:41**
